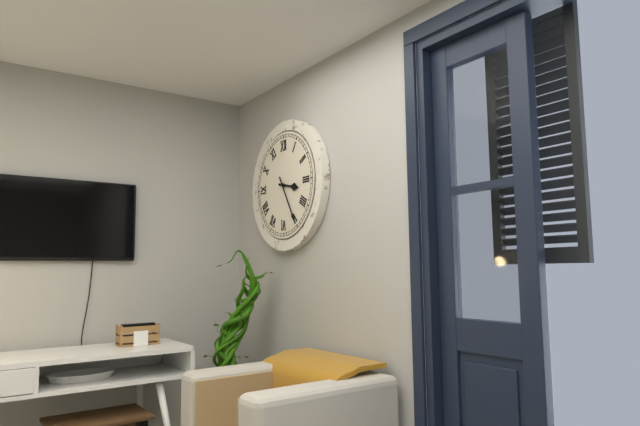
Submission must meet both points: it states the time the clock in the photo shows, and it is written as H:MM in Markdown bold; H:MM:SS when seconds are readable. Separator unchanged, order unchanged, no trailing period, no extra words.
**3:25**
